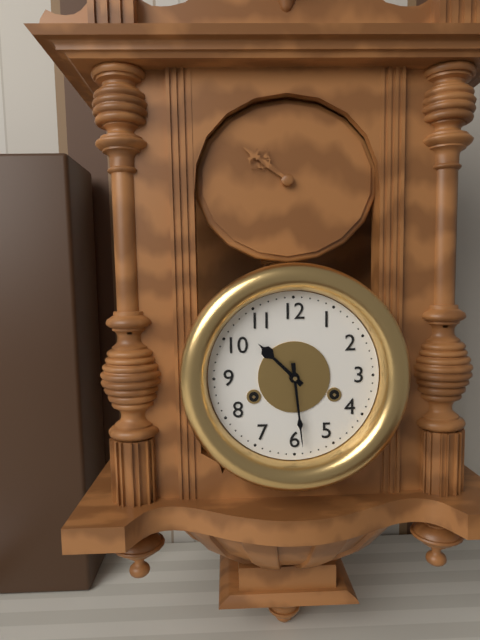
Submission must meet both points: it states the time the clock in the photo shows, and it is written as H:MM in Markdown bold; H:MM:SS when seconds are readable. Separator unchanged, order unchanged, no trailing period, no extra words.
**10:29**
